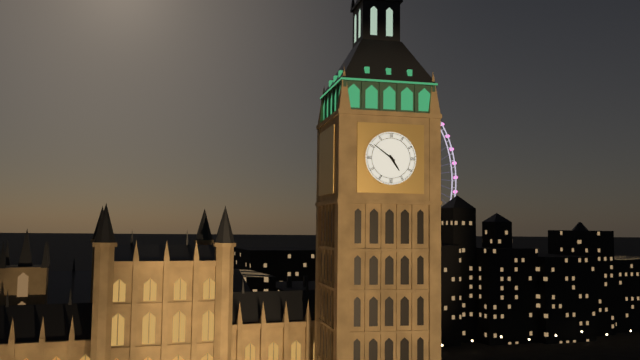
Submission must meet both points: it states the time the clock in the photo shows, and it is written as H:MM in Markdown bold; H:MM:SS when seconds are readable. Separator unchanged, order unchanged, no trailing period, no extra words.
**4:51**
